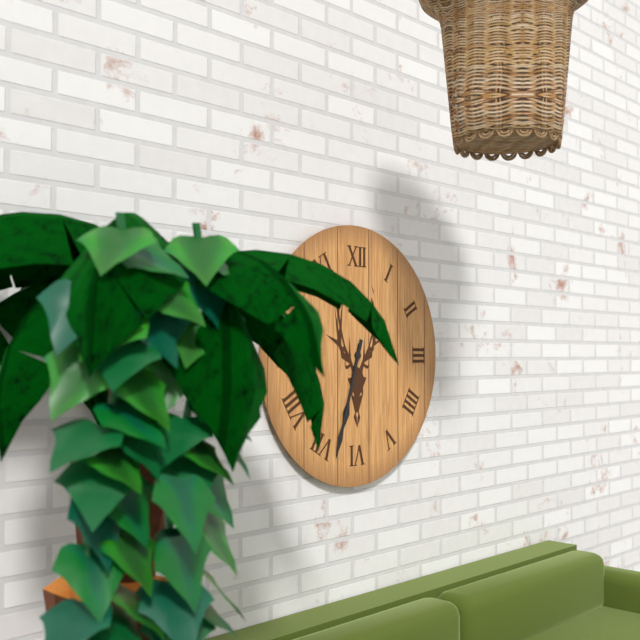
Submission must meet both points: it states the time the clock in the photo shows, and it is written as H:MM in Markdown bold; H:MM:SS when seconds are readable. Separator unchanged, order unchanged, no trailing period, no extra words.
**6:33**
